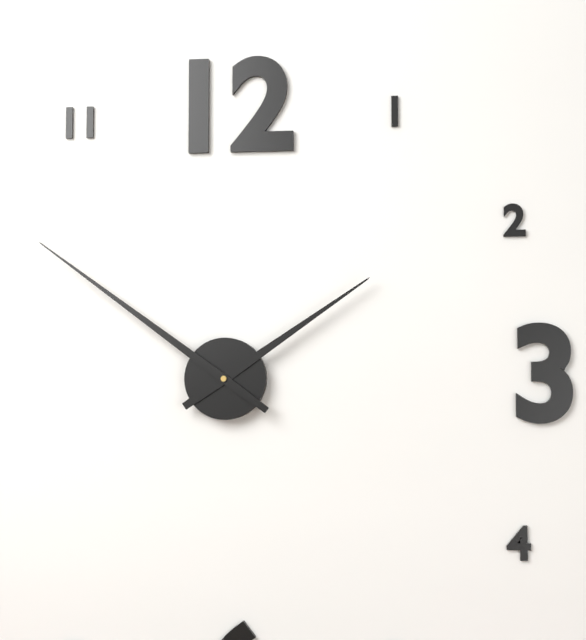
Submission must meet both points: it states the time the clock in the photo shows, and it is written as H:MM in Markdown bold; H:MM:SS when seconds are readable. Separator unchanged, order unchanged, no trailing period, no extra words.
**1:51**
